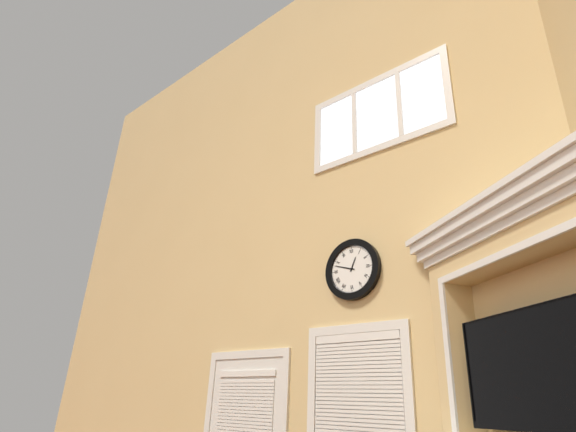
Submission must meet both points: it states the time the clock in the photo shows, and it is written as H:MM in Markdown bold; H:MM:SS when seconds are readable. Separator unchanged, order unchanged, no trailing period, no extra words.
**12:48**
